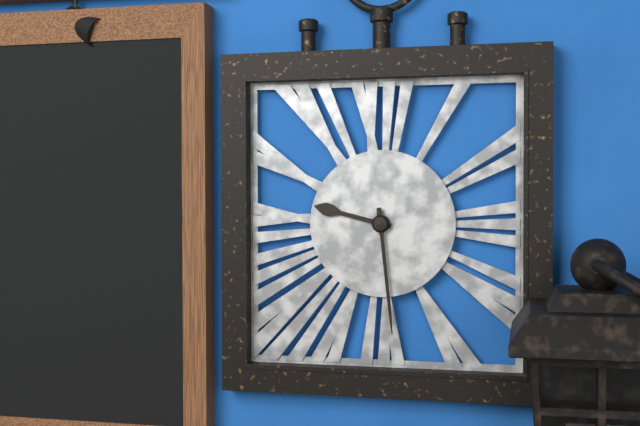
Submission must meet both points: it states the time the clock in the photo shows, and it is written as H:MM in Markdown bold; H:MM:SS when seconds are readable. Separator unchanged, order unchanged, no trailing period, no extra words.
**9:29**
